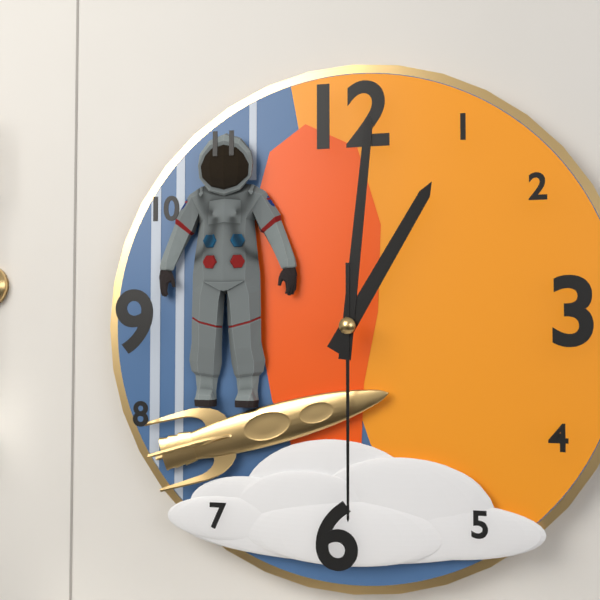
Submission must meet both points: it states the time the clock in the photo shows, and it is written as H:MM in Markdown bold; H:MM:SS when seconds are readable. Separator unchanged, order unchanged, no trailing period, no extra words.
**1:01:30**
